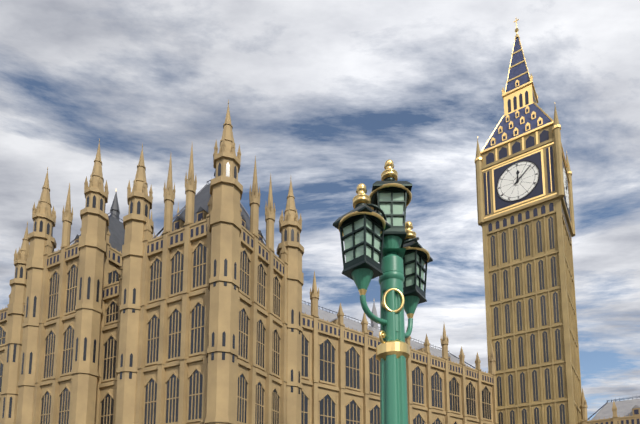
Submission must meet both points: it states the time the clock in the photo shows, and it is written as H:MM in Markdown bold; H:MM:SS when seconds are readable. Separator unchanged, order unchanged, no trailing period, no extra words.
**12:08**
